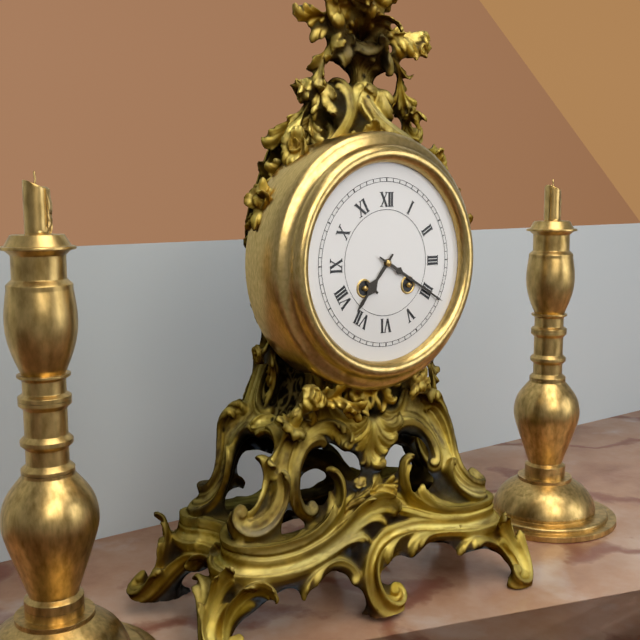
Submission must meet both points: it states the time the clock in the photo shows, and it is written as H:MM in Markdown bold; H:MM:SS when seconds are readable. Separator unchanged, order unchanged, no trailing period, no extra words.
**7:20**
